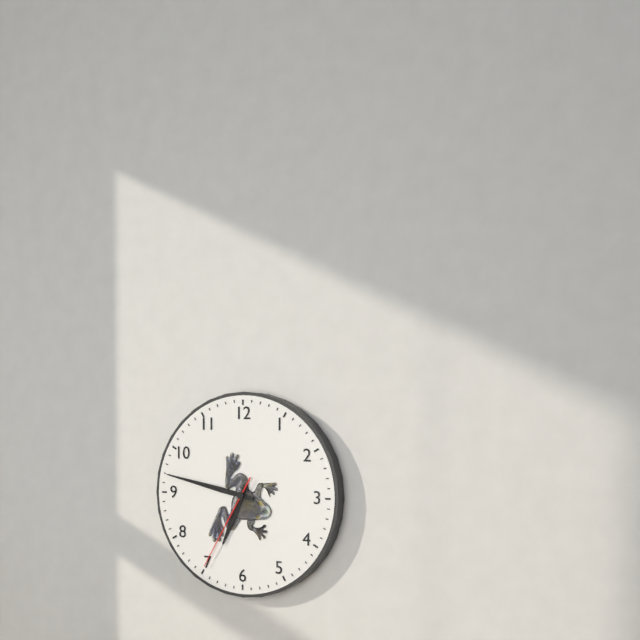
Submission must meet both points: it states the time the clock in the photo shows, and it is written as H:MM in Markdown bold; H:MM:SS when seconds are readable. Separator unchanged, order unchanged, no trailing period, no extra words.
**6:47:35**
